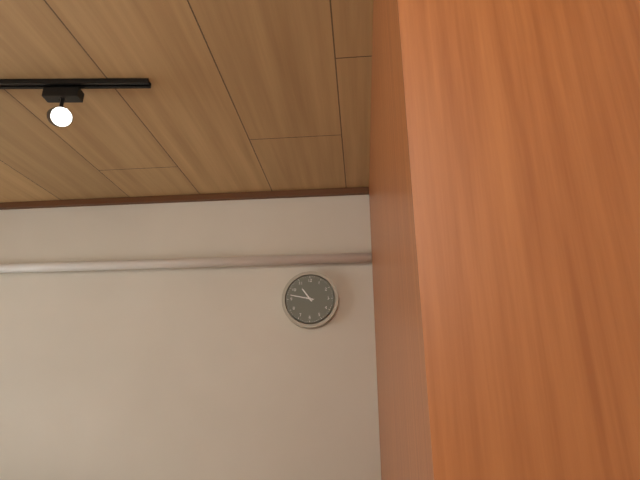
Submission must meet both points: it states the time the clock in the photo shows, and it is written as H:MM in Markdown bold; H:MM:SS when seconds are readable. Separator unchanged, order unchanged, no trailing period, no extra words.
**10:47**
